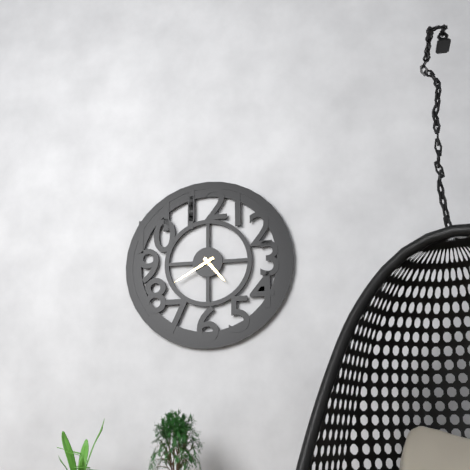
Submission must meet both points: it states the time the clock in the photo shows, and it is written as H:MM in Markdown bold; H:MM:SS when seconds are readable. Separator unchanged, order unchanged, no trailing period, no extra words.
**4:40**
